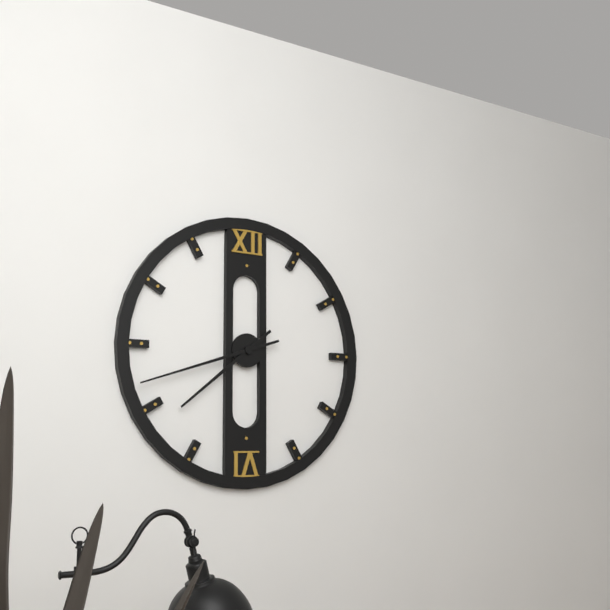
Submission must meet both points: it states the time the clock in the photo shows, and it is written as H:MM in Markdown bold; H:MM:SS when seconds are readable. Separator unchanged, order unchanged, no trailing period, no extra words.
**7:42**
